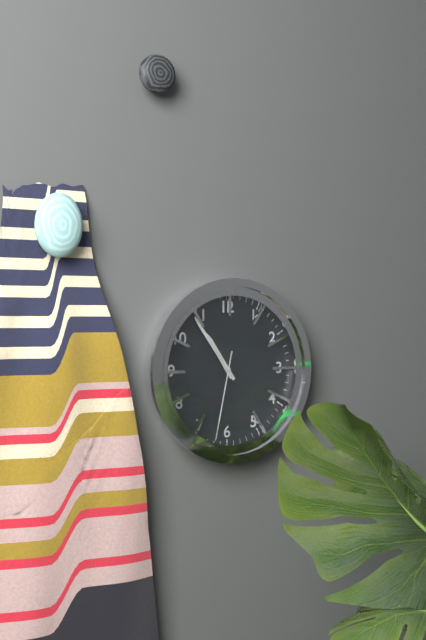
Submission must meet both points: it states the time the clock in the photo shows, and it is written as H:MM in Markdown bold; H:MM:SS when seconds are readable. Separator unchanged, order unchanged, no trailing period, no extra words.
**10:54:32**
